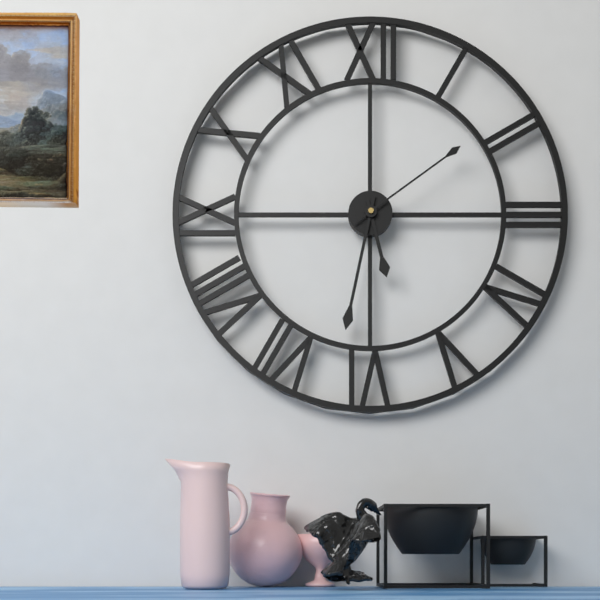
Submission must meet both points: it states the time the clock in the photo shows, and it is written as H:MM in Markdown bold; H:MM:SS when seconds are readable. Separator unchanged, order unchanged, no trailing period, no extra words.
**5:32:09**
